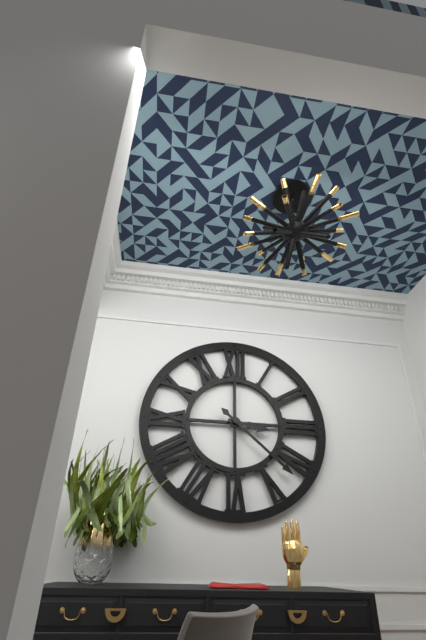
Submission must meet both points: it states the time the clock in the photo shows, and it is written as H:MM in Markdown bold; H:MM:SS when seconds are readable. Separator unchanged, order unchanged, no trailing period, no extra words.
**3:22**
